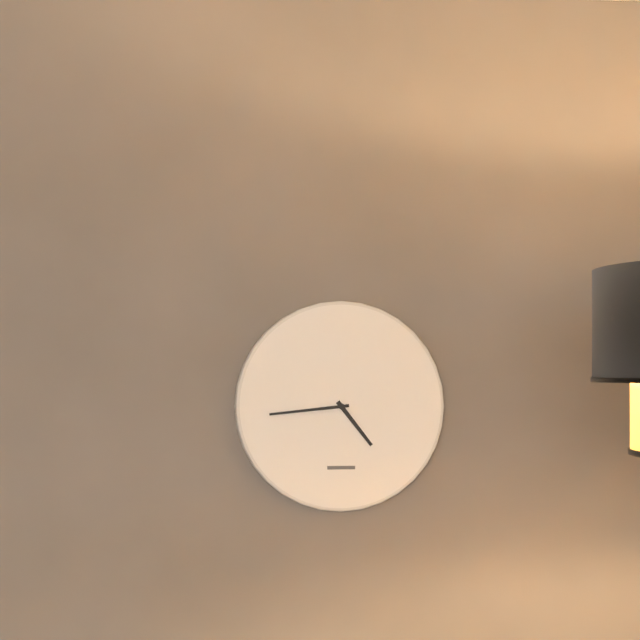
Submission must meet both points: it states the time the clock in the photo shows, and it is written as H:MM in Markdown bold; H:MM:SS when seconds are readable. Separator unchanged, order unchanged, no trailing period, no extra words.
**4:44**
